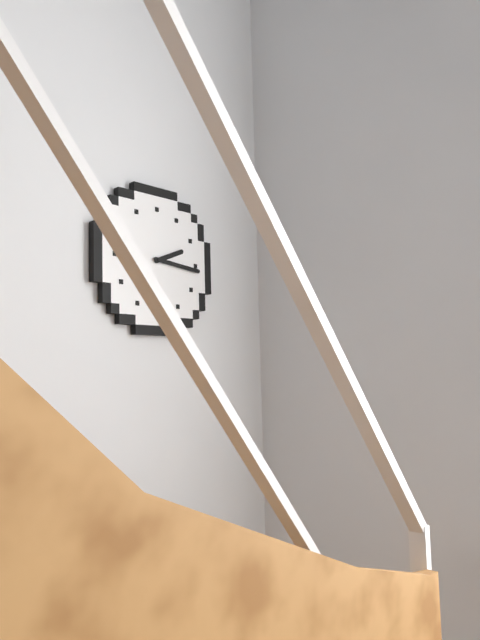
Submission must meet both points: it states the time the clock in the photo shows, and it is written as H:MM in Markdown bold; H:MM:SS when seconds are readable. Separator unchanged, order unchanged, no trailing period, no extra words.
**2:16**
